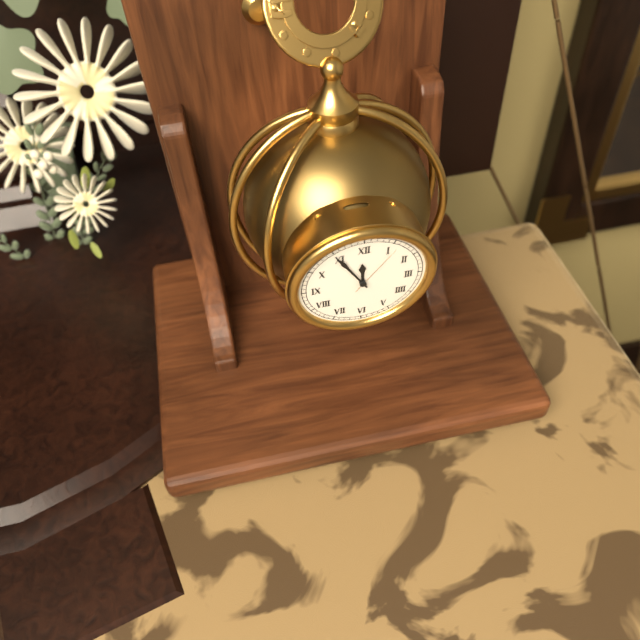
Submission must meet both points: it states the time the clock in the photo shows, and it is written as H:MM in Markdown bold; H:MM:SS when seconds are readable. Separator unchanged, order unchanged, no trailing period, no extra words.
**11:55:06**
